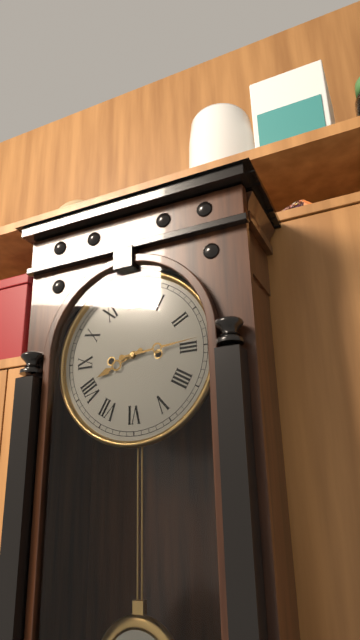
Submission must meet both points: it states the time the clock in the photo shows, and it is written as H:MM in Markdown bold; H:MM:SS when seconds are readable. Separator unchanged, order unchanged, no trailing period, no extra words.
**8:14**
